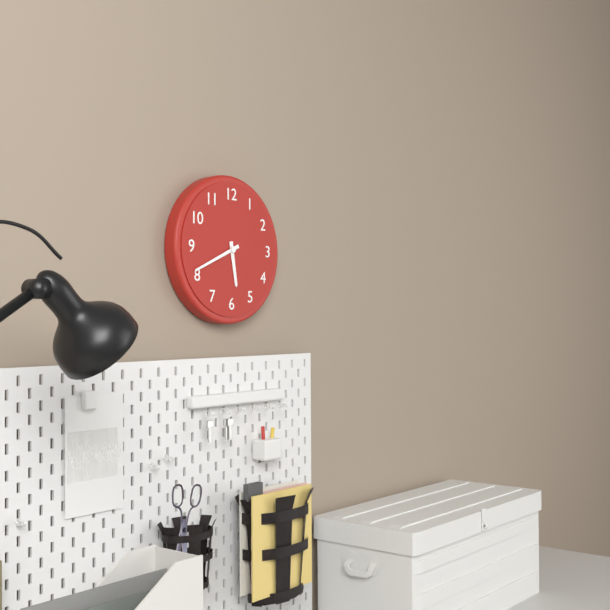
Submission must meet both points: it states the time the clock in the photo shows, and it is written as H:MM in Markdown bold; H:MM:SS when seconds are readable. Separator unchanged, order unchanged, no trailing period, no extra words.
**5:41**
